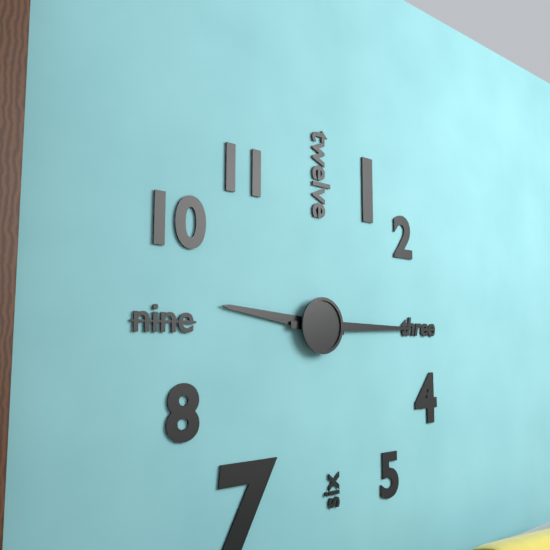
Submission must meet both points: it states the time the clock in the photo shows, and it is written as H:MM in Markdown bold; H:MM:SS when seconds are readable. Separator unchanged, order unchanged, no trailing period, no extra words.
**9:15**
